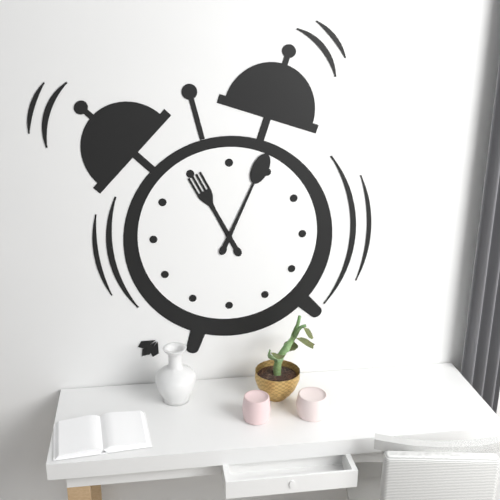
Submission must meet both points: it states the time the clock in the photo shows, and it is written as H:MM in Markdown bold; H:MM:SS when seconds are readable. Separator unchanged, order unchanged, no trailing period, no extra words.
**11:04**
